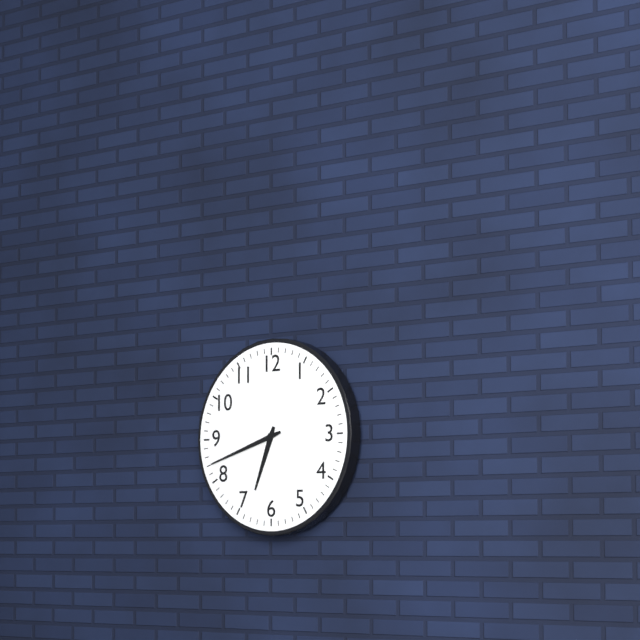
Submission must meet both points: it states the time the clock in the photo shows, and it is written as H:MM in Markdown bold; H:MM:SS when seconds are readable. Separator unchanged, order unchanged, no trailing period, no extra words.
**6:42**
